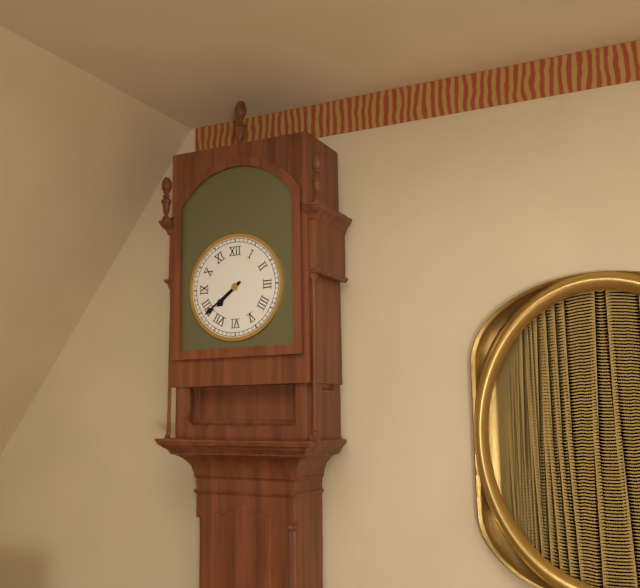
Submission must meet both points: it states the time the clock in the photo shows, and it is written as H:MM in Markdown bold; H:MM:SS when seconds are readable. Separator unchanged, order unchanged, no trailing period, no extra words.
**7:39**
